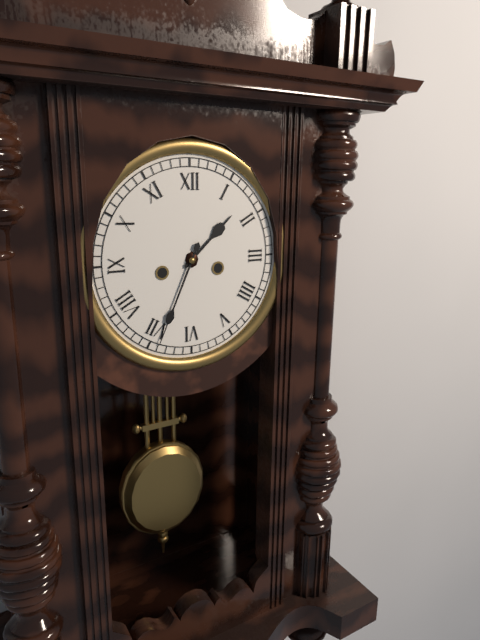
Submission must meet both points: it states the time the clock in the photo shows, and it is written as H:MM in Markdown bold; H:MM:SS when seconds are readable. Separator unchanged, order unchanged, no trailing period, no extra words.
**1:34**
